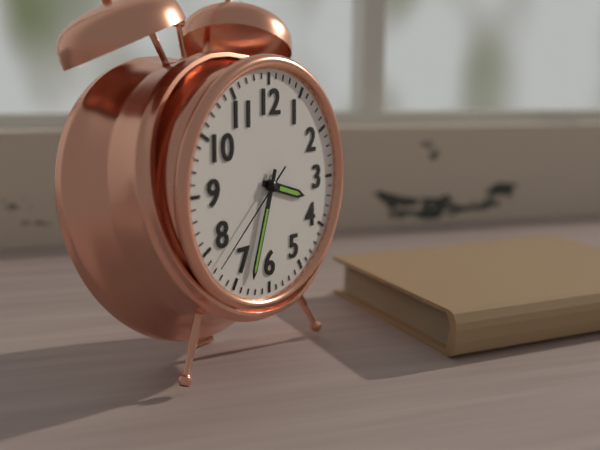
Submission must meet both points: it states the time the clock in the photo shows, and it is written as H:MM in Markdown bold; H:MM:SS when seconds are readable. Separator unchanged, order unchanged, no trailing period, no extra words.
**3:33:38**
